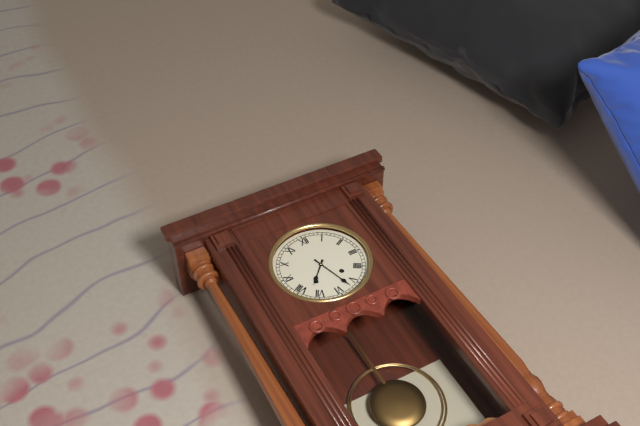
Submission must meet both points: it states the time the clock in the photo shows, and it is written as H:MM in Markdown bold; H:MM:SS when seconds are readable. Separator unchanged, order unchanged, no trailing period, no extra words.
**7:27**
